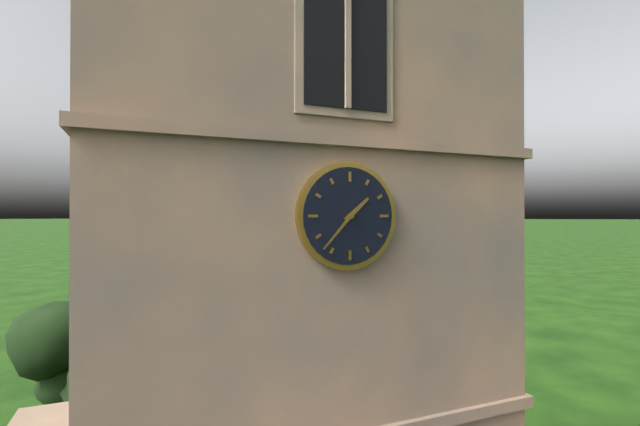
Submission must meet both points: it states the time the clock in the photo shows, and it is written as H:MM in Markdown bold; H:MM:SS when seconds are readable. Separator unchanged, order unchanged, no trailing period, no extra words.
**1:37**
